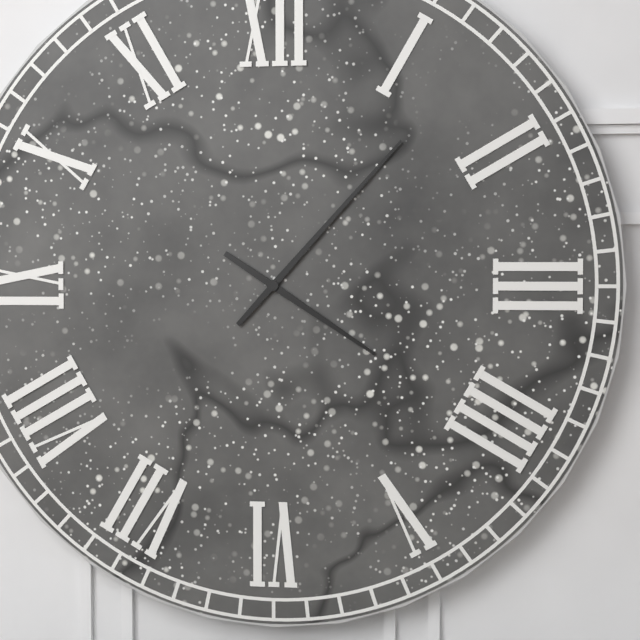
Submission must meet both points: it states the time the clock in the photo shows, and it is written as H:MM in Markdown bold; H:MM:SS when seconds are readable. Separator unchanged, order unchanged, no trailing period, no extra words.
**4:07**
